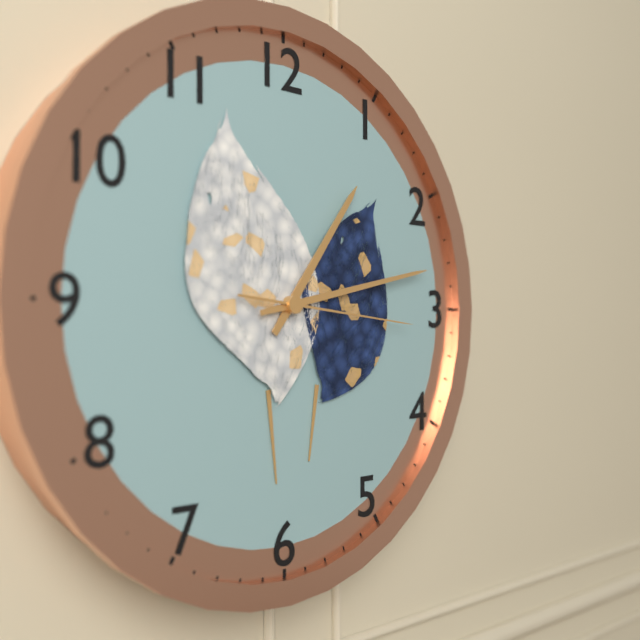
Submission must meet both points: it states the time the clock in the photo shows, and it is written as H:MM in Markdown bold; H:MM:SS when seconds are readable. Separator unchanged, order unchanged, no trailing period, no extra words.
**1:13:16**
